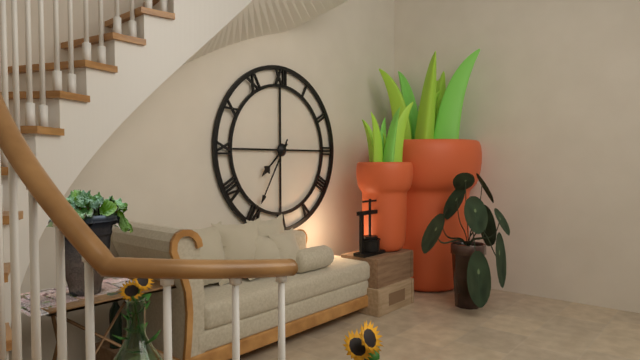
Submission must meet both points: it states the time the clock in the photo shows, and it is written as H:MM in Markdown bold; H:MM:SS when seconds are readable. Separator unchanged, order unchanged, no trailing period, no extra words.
**7:35**
